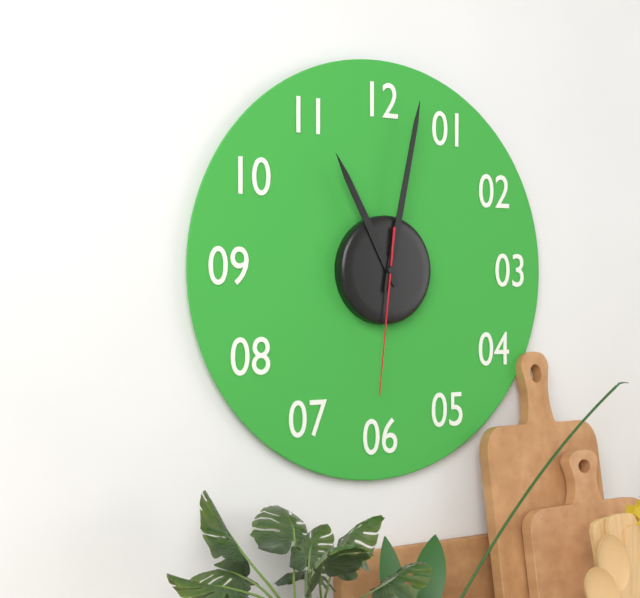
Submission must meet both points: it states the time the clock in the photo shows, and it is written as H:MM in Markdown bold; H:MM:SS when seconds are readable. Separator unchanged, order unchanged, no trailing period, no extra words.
**11:02:31**
